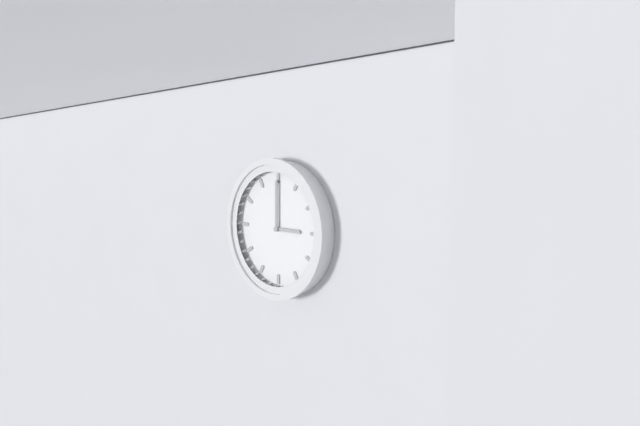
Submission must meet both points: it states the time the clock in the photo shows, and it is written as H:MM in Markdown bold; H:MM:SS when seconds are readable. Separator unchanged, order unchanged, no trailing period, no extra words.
**3:00**
